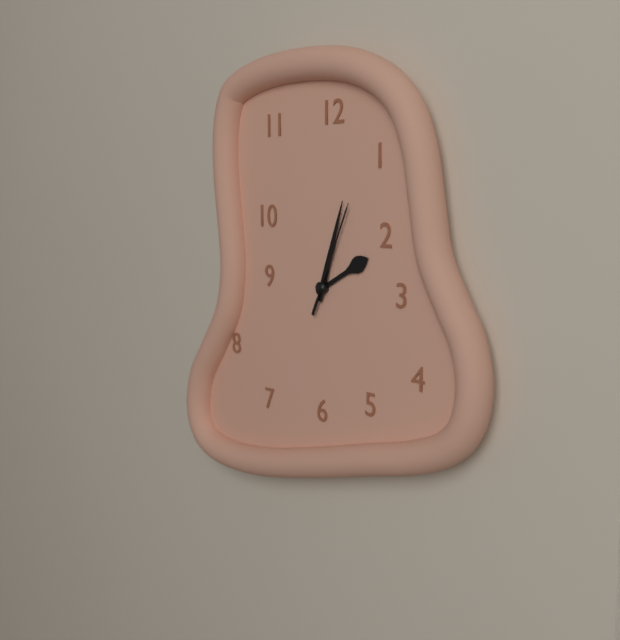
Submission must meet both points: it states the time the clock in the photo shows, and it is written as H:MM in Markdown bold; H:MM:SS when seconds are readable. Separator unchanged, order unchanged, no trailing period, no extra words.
**2:03:04**
